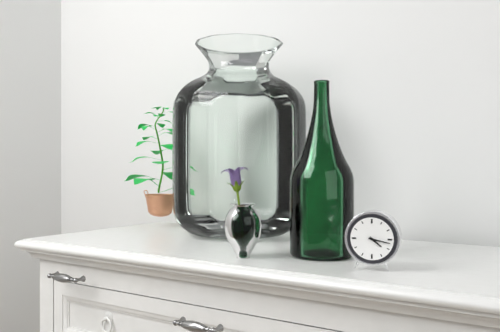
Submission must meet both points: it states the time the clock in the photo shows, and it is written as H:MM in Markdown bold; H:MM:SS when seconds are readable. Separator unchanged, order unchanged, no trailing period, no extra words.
**4:17**
